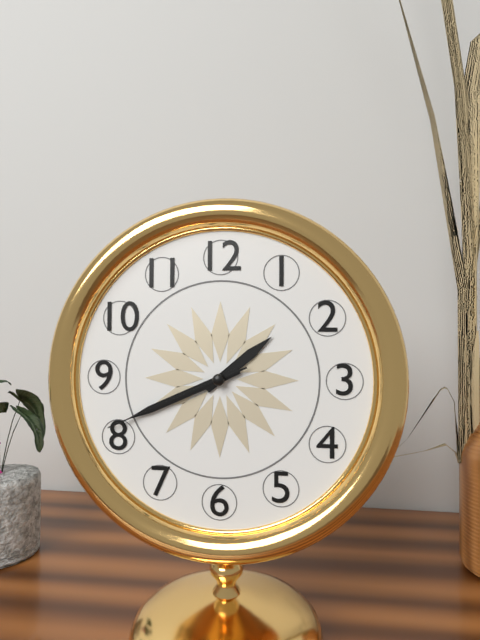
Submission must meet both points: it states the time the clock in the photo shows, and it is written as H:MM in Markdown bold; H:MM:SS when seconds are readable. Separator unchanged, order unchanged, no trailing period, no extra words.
**1:41:41**
